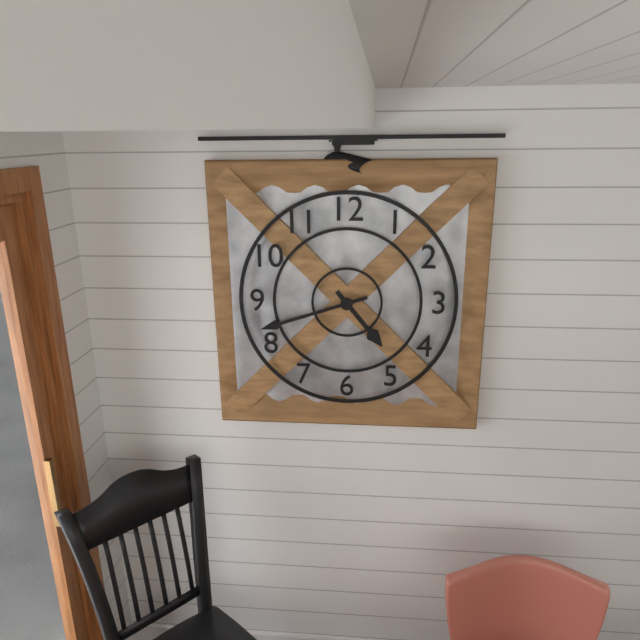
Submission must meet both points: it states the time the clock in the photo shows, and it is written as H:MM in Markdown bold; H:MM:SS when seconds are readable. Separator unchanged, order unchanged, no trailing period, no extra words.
**4:42**
